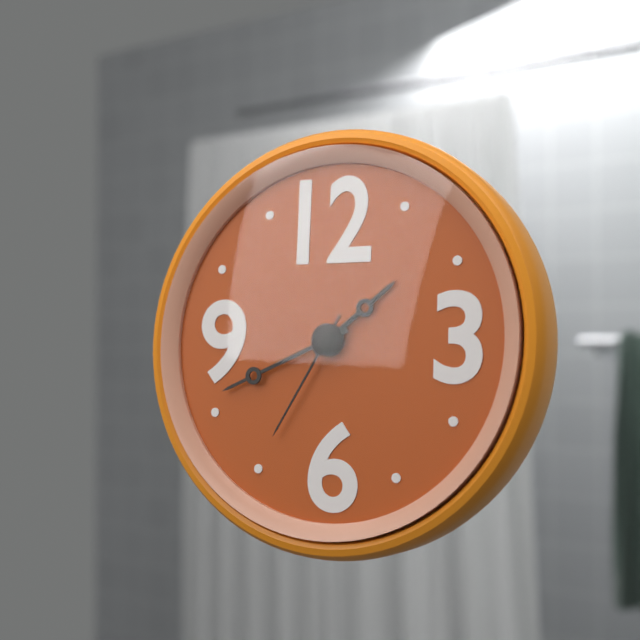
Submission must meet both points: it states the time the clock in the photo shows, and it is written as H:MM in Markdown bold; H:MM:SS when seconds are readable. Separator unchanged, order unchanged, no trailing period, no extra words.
**1:41:35**
